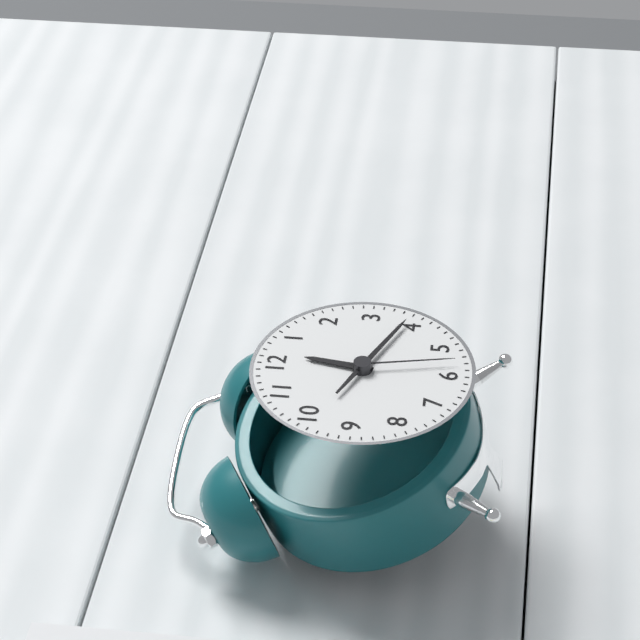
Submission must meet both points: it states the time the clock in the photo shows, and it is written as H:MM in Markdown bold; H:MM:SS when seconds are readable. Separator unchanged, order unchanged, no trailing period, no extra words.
**12:19:28**
